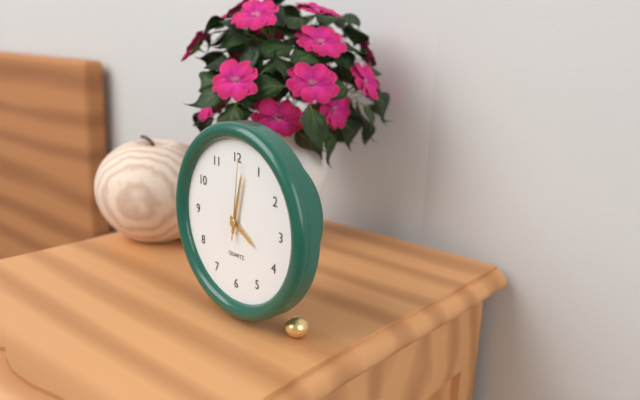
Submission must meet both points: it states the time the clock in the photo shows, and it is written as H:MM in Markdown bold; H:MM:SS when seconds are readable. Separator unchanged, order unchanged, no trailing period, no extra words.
**4:02:01**
